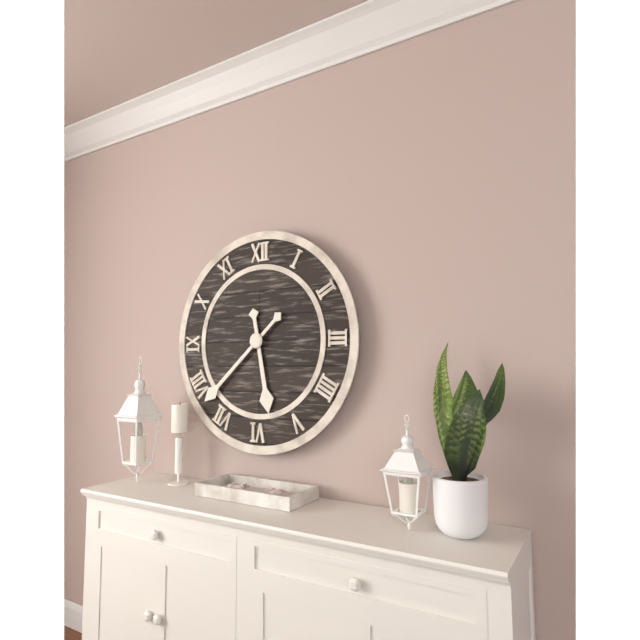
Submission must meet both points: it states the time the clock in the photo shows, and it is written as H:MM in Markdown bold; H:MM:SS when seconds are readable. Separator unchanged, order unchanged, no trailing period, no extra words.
**5:38**
